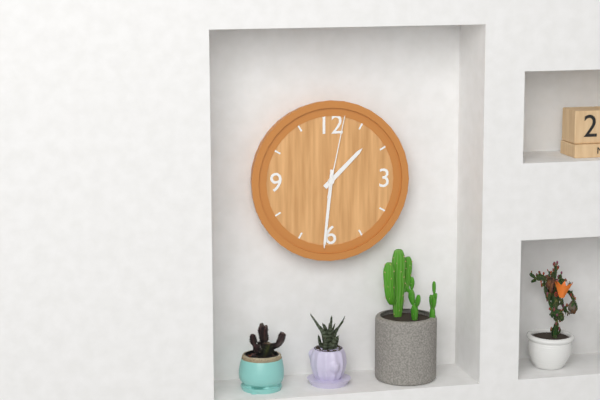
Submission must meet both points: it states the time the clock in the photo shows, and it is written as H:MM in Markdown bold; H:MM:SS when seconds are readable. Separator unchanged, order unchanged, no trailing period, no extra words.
**1:31:02**
